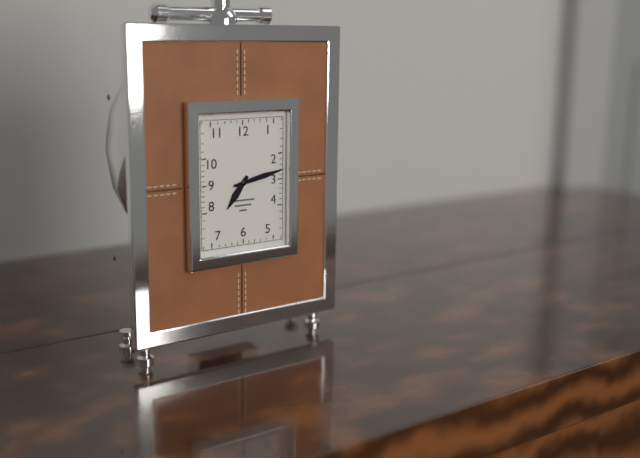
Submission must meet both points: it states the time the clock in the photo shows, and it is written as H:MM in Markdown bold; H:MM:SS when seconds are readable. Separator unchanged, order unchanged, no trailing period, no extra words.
**7:13**
